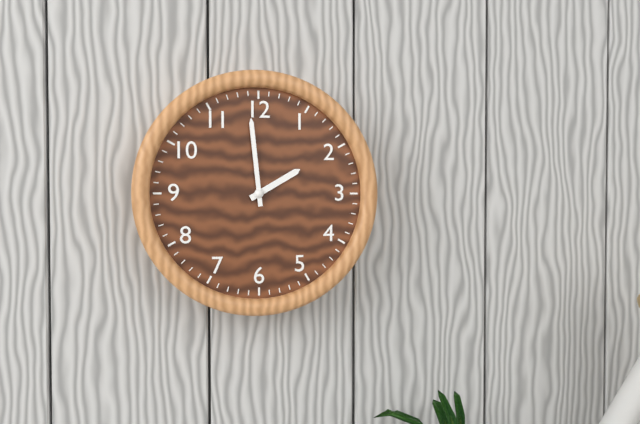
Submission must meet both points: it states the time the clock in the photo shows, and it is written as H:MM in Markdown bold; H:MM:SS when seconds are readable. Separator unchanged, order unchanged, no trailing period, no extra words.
**1:59**
